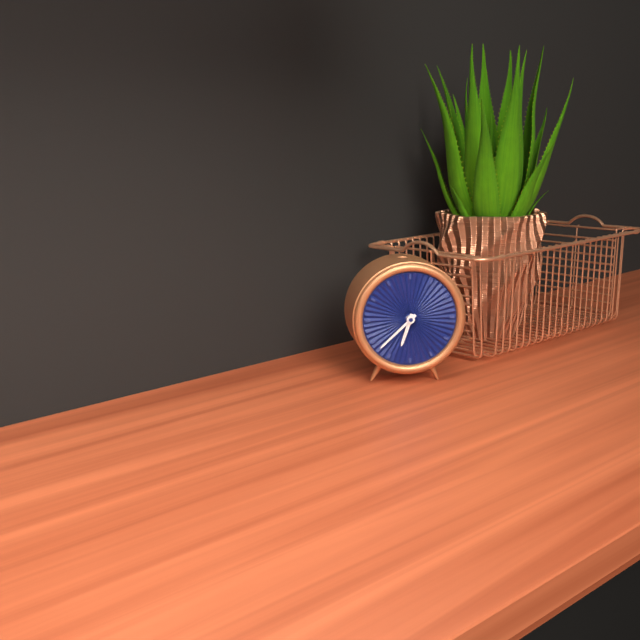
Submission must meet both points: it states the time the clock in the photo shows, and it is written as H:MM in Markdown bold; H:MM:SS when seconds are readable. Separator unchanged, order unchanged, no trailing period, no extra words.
**6:38**
